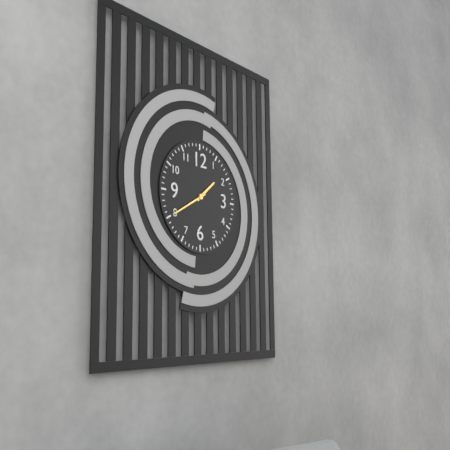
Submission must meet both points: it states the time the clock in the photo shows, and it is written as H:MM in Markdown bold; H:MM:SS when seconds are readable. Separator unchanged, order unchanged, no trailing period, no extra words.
**1:40**
